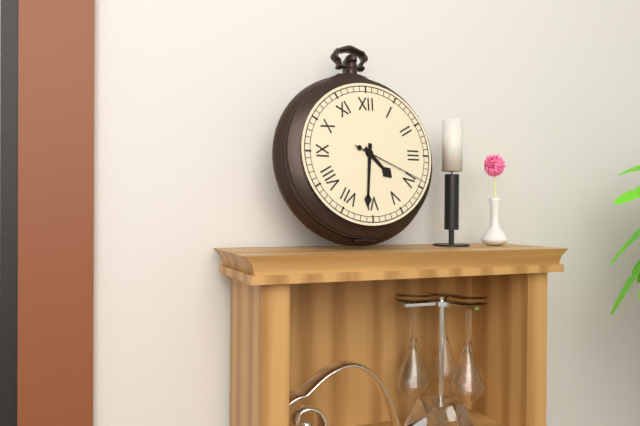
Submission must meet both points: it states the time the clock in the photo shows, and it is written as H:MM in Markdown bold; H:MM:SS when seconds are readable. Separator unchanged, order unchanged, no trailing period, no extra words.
**4:31:19**
